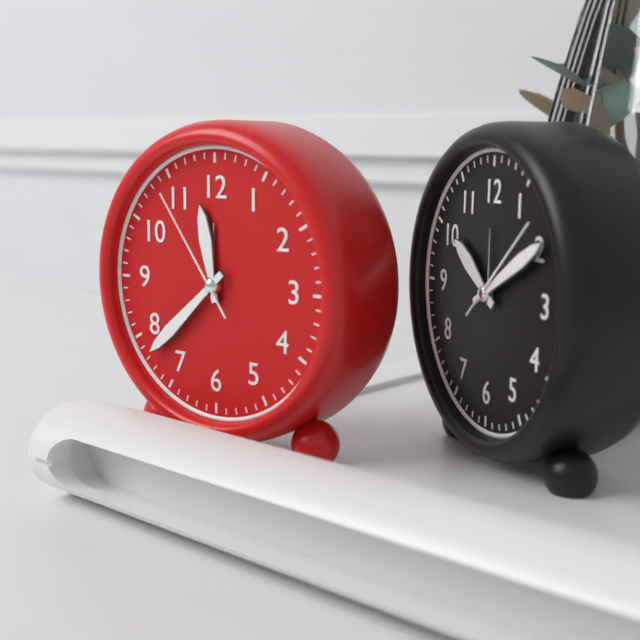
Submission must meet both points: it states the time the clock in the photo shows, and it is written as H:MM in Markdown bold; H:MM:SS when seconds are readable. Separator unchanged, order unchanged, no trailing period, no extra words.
**11:38:54**
